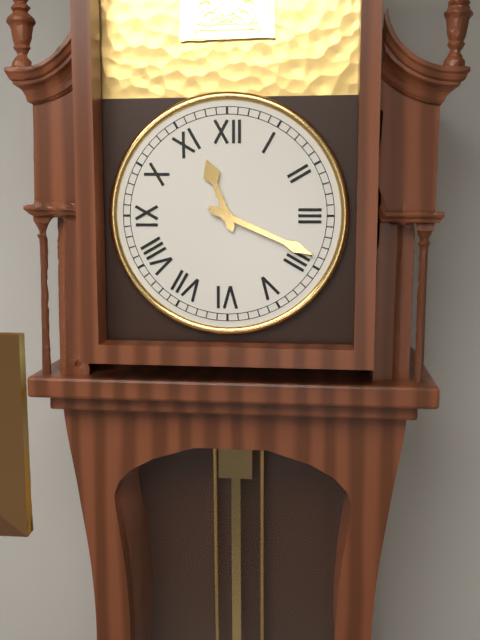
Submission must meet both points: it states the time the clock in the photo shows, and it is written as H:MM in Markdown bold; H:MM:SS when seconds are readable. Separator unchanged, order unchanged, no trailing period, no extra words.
**11:19**
